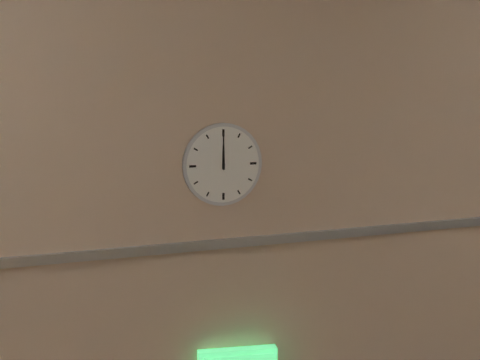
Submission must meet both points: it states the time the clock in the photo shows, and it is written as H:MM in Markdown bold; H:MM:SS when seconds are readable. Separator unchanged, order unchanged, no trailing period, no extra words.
**12:00**
